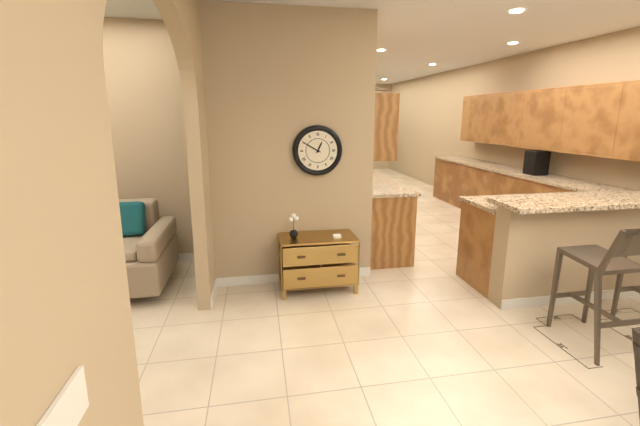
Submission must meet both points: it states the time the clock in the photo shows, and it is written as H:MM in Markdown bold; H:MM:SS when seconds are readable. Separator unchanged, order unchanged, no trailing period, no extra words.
**12:50**
